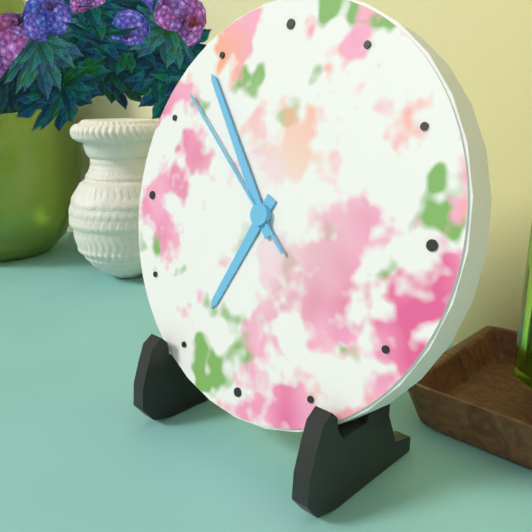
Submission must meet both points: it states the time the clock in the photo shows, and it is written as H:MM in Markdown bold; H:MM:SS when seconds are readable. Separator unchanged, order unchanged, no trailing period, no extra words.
**6:54:52**
